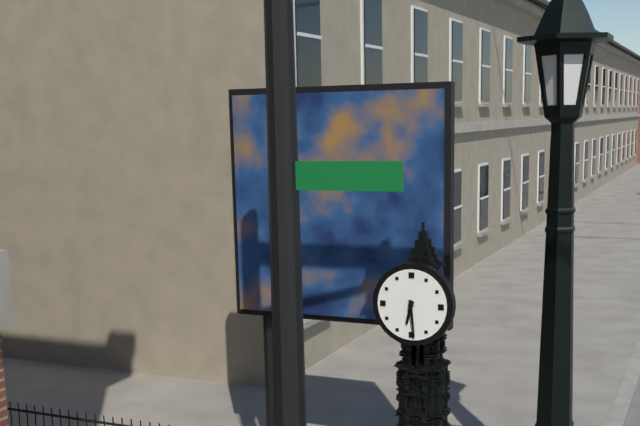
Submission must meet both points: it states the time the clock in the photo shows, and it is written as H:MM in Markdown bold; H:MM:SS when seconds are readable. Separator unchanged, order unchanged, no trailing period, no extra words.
**6:29**
